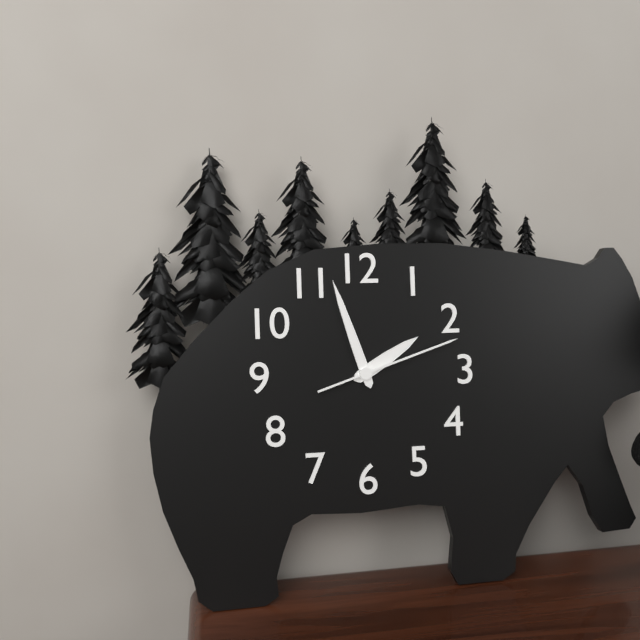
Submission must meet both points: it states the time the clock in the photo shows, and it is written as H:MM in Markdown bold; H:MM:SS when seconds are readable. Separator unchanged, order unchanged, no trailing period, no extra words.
**1:57:12**
